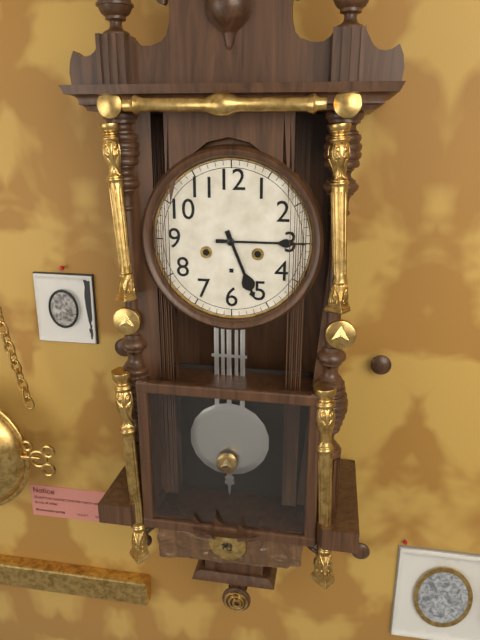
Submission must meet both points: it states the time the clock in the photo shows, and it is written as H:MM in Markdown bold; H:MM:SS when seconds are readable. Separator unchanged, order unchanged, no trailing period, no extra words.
**5:15**
